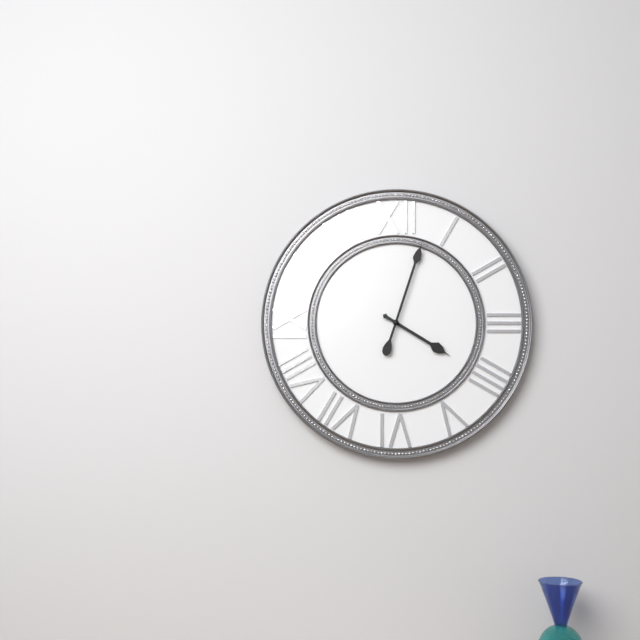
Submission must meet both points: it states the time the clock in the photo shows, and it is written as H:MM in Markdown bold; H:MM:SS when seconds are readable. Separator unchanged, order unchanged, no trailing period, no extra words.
**4:03**
